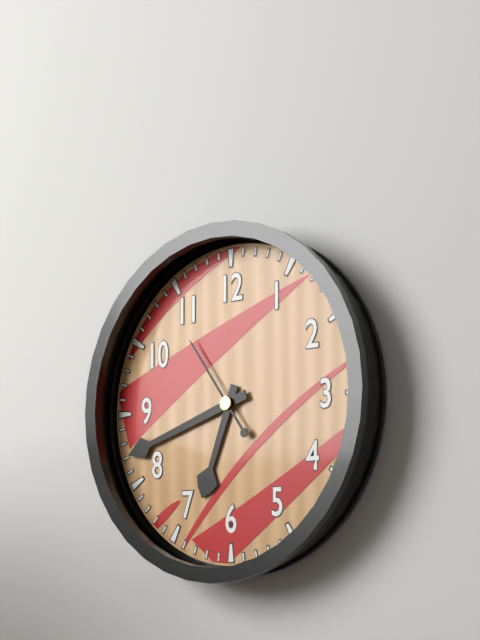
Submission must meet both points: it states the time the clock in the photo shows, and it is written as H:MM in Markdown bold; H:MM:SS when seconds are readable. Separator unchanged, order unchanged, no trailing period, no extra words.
**6:42:54**
